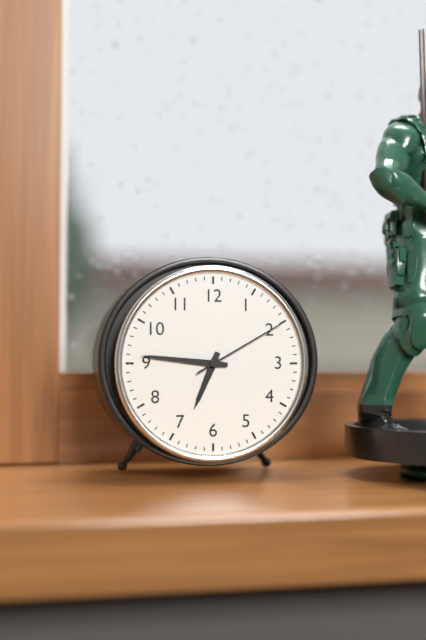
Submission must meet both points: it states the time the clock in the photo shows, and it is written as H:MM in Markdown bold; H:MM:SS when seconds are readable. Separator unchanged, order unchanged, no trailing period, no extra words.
**6:46:10**
